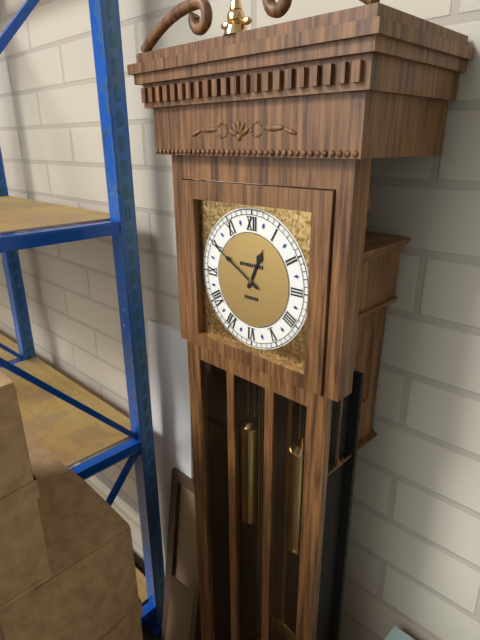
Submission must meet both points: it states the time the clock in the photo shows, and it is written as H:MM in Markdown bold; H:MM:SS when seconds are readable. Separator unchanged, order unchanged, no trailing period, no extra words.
**12:50**
